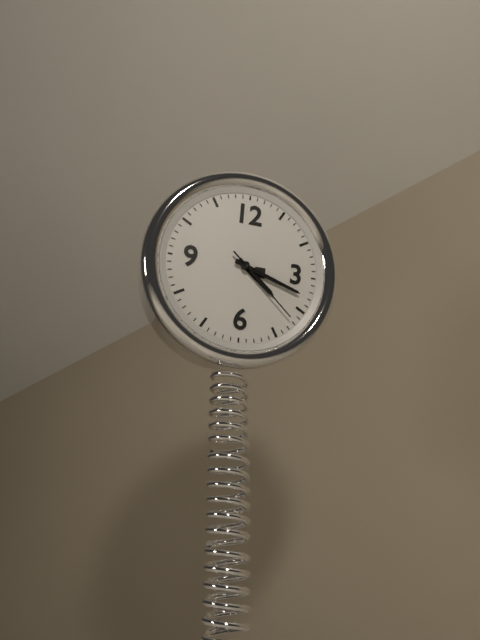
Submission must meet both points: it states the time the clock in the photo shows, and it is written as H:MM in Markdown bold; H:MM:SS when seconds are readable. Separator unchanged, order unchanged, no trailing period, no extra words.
**4:18:22**
